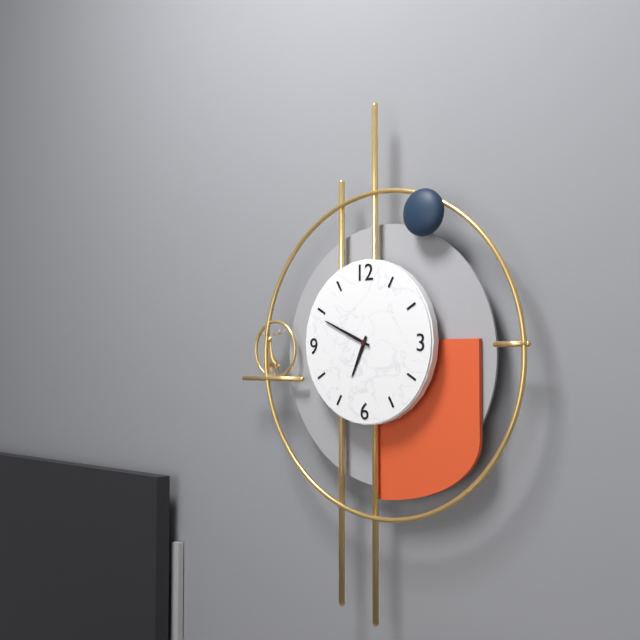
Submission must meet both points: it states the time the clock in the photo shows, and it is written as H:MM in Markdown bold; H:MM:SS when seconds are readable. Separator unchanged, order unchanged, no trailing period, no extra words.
**6:49**
